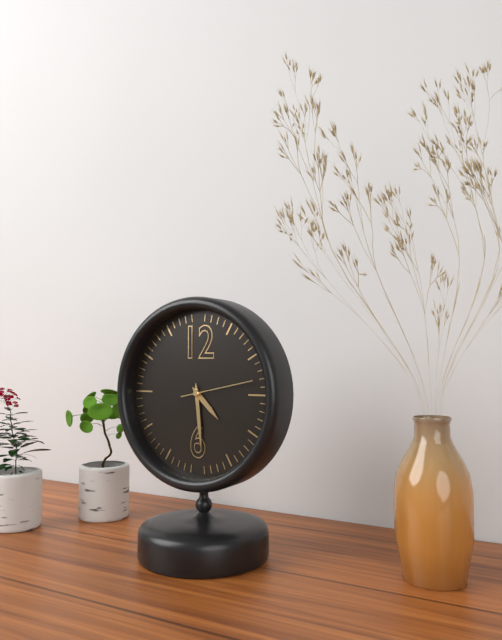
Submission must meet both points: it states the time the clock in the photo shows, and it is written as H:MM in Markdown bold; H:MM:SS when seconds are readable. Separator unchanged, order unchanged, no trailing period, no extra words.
**4:29:13**
